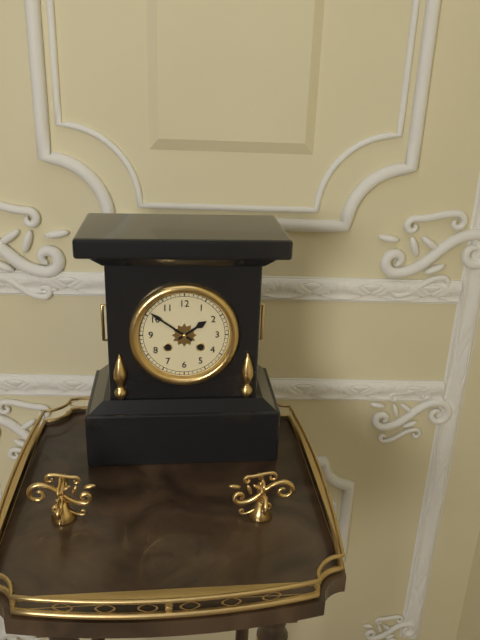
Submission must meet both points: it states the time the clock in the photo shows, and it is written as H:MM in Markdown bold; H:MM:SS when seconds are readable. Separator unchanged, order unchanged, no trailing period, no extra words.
**1:51**
